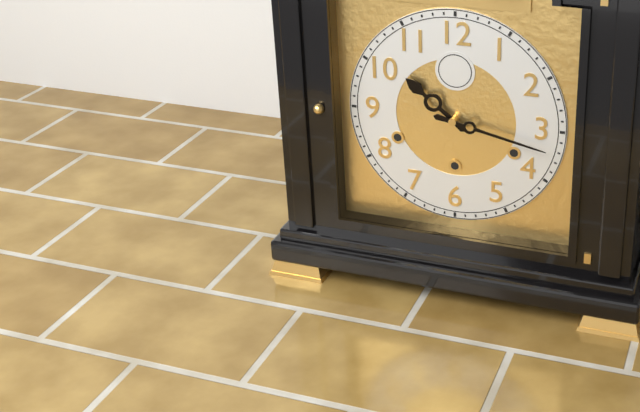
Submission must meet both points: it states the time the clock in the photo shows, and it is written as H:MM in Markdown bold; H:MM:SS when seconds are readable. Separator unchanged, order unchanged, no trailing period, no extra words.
**10:17**
